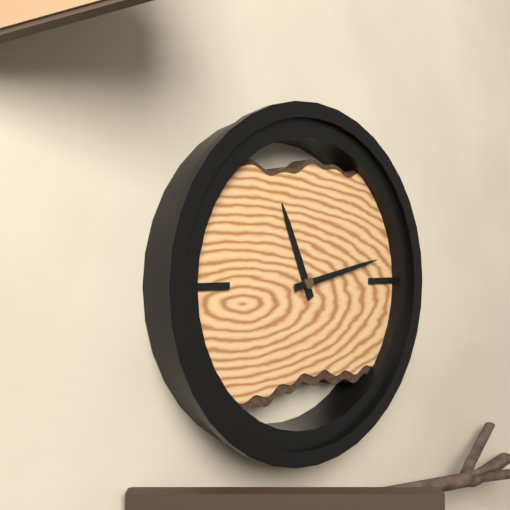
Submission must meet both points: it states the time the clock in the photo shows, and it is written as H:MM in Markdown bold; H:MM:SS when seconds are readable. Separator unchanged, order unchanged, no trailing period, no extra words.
**11:13**
